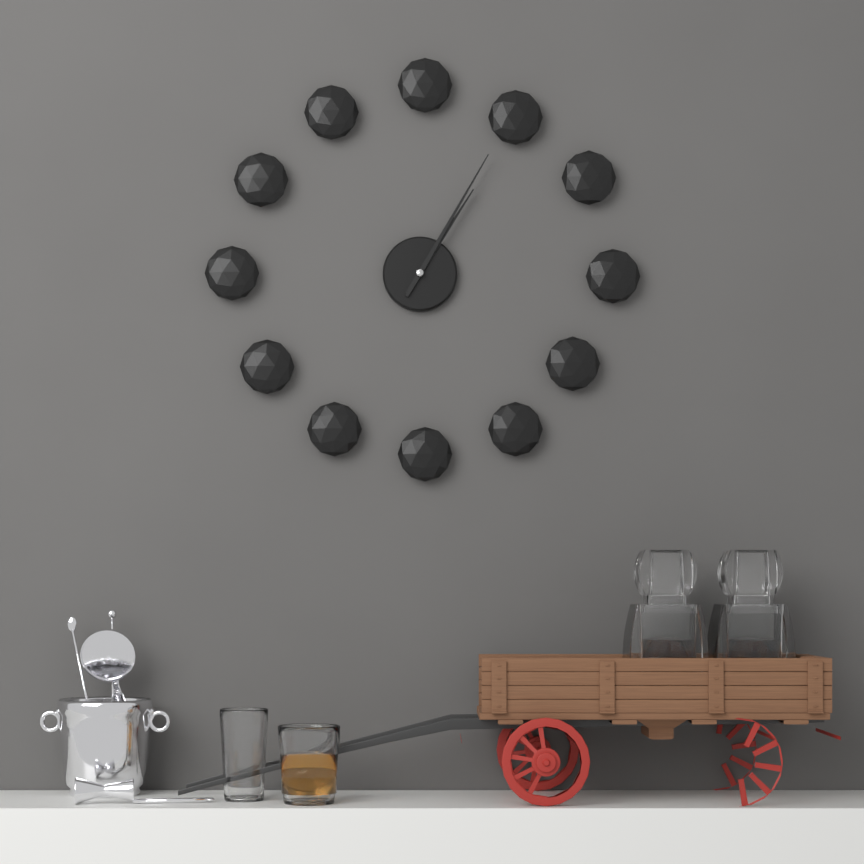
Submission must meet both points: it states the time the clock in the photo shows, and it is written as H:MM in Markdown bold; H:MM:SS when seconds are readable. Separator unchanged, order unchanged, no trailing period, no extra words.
**1:05**
